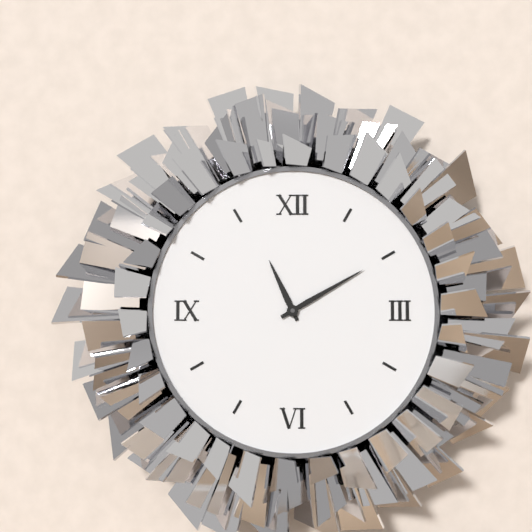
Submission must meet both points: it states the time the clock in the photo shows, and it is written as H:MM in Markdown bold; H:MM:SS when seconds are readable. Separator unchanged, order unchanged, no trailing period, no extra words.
**11:10**
